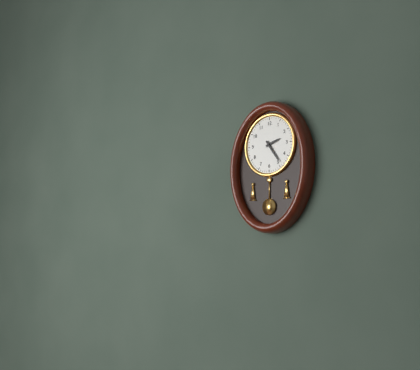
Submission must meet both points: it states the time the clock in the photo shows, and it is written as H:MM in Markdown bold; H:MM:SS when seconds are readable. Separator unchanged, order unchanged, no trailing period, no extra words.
**2:24**
